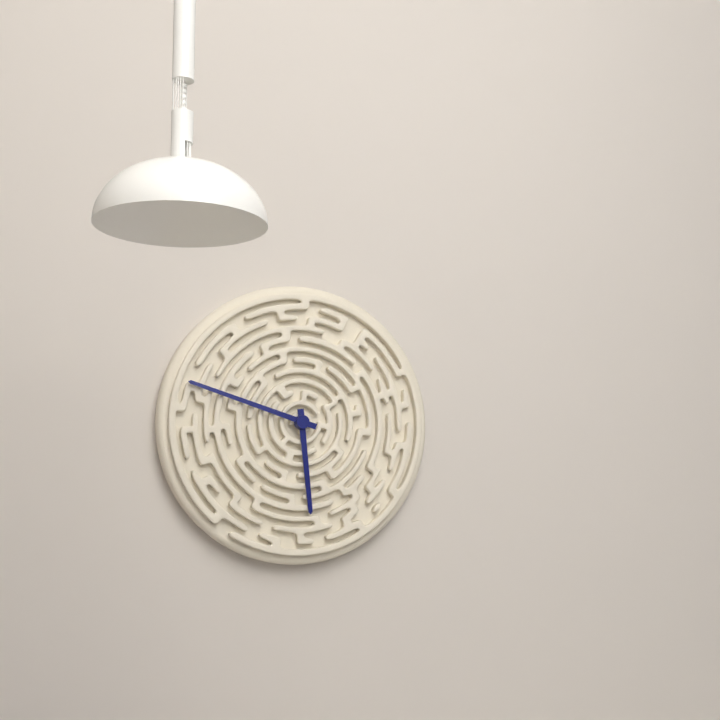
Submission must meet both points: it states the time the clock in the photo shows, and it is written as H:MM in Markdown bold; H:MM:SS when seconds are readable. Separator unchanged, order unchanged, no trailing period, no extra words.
**5:48**
